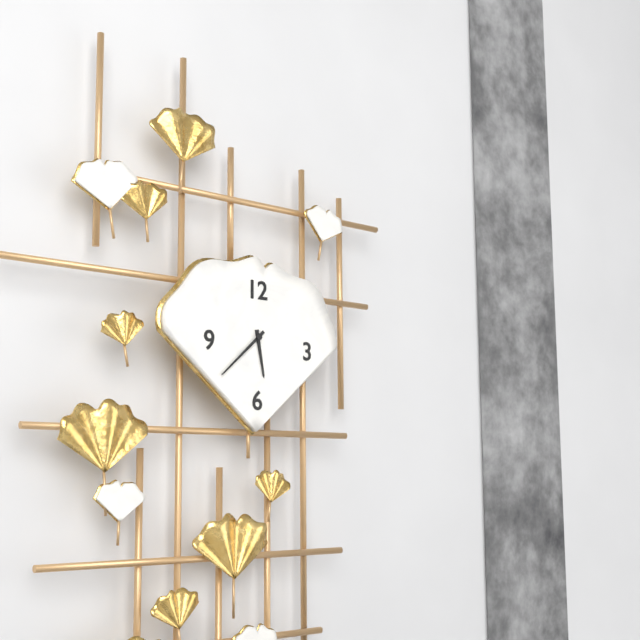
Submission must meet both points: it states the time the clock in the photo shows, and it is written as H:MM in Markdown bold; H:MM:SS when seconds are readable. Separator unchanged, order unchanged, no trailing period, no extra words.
**5:38**
